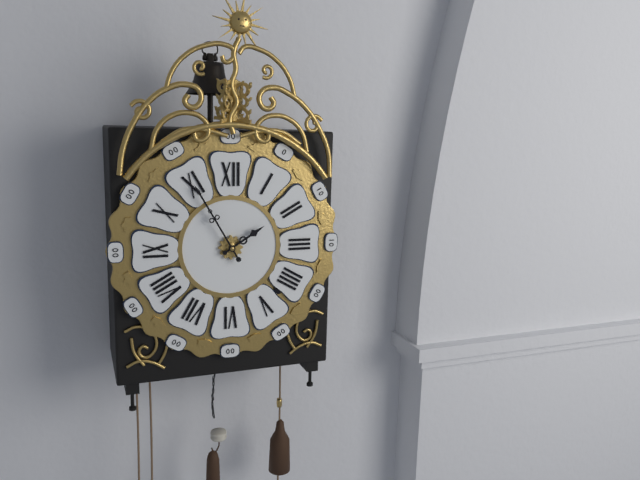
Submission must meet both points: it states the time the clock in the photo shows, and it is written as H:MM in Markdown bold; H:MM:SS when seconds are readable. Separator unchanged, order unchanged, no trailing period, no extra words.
**1:55**
